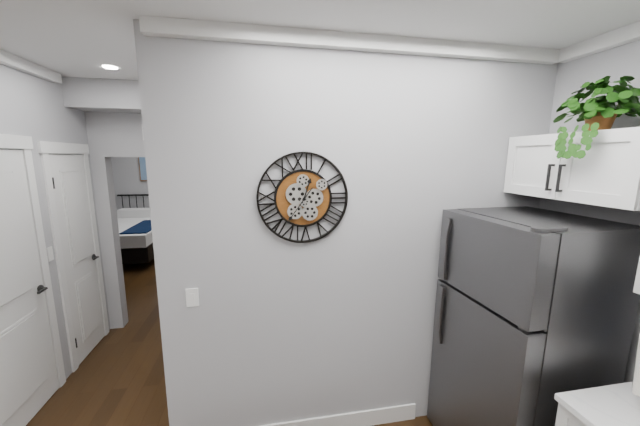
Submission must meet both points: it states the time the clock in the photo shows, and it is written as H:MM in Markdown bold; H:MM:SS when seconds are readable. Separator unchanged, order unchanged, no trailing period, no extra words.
**12:36**
